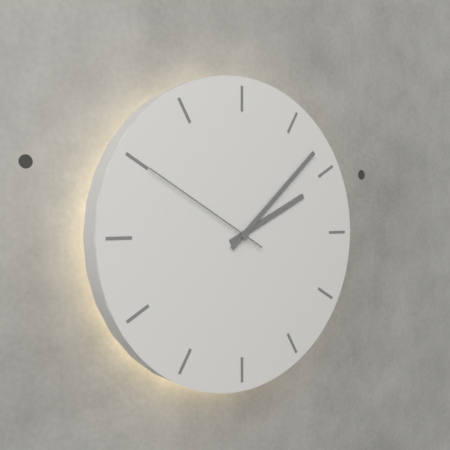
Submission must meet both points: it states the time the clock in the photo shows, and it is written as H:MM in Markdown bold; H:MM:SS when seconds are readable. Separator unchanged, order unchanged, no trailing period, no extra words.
**2:08:50**
